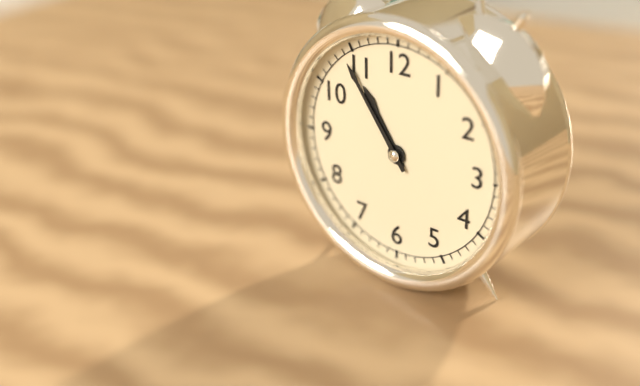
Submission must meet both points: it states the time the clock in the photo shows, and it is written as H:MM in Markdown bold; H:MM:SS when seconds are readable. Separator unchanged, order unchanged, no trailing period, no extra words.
**10:54**
